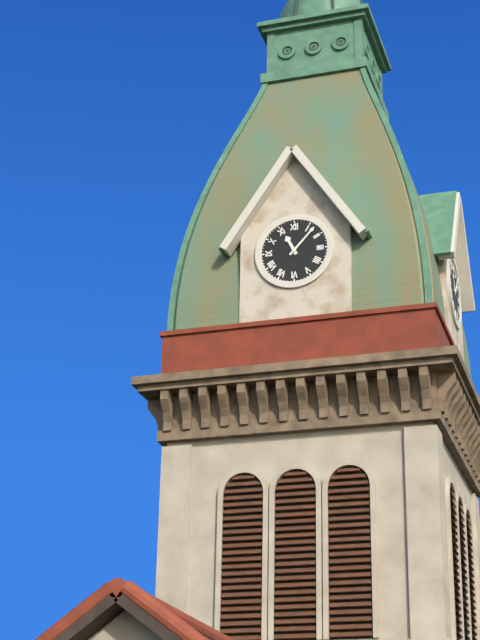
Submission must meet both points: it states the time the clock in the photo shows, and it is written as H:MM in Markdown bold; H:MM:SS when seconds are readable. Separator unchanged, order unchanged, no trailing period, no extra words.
**11:07**
